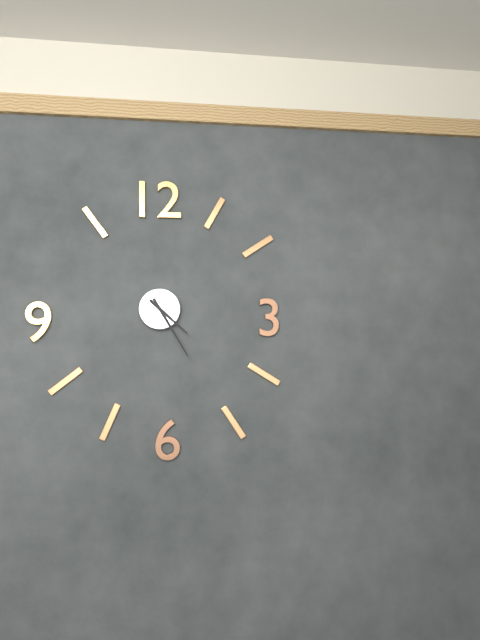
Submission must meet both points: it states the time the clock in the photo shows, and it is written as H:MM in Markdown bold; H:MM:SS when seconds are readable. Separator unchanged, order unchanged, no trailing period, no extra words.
**4:25**
